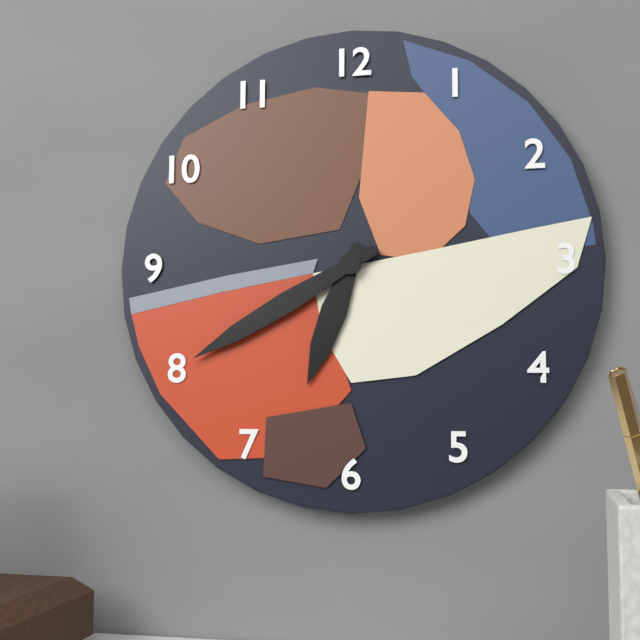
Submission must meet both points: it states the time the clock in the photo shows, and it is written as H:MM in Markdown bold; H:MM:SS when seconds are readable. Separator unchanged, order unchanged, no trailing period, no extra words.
**6:40**
